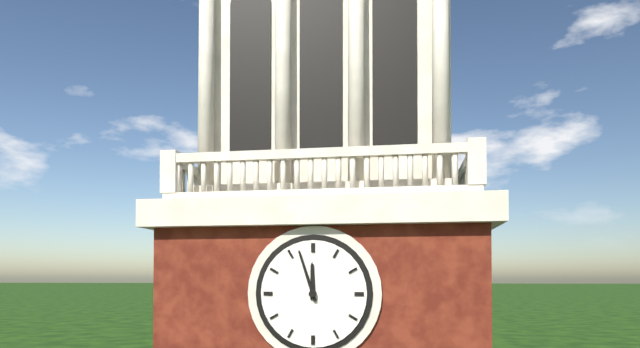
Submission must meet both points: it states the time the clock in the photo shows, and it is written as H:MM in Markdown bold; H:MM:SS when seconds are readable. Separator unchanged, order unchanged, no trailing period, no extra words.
**11:57**
